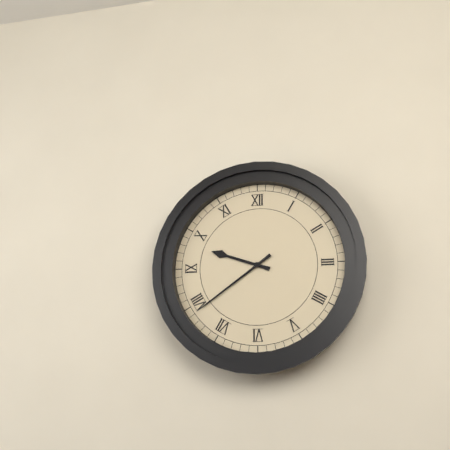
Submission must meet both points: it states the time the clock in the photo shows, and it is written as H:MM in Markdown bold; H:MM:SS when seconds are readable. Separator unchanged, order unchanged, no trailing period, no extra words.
**9:39**
